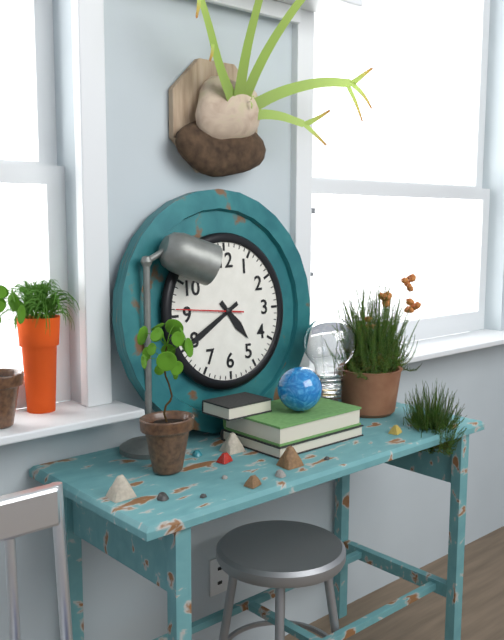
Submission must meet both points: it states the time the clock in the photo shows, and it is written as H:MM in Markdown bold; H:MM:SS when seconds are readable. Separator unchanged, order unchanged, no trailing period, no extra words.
**4:40:46**
